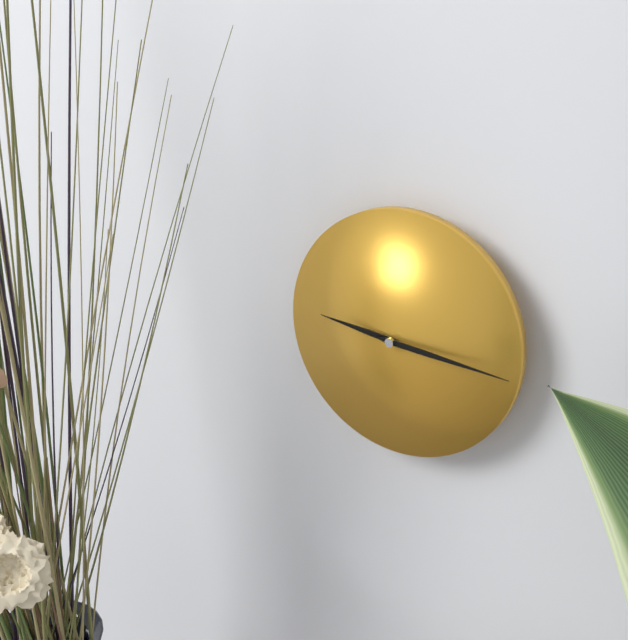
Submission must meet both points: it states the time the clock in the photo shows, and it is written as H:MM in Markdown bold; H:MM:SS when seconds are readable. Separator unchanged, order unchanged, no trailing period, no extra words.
**9:16**
